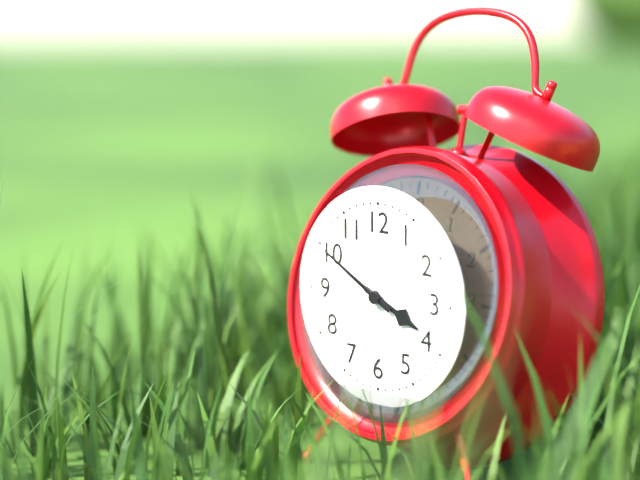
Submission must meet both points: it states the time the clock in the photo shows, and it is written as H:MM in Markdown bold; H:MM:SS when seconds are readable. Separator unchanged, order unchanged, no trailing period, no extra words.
**3:50**
